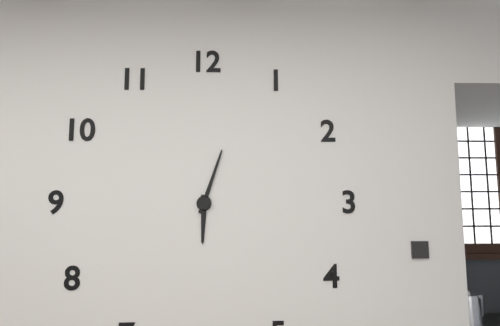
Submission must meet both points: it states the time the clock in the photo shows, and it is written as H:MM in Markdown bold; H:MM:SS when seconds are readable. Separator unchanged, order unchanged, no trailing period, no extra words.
**6:03**
